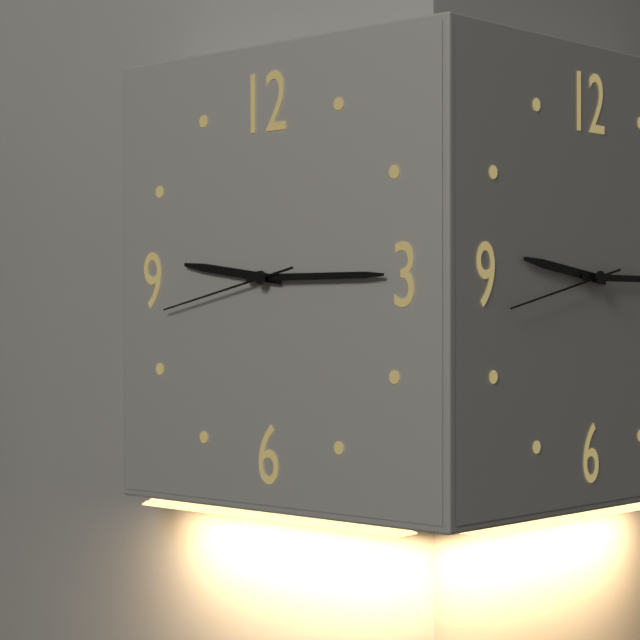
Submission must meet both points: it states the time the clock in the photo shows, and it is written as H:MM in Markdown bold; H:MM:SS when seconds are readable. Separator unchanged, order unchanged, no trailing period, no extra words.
**9:15:43**
